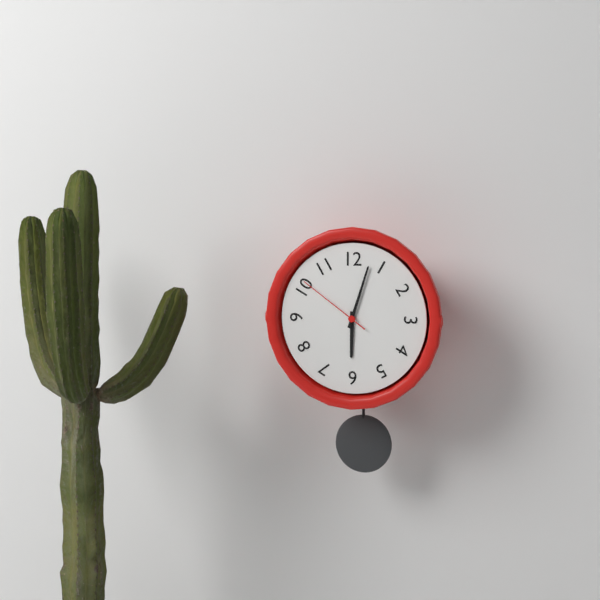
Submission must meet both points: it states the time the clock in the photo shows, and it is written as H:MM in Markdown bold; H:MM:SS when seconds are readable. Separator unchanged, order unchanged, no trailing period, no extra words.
**6:03:51**
